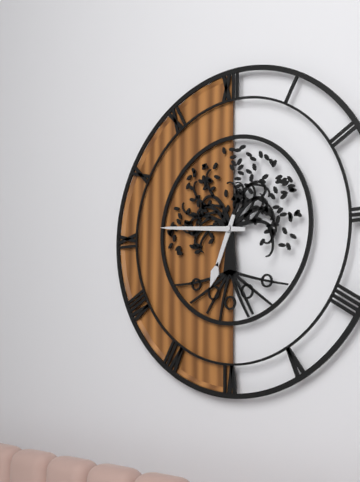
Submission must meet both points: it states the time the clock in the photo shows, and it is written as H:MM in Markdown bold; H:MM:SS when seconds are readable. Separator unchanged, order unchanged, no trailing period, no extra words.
**6:46**
